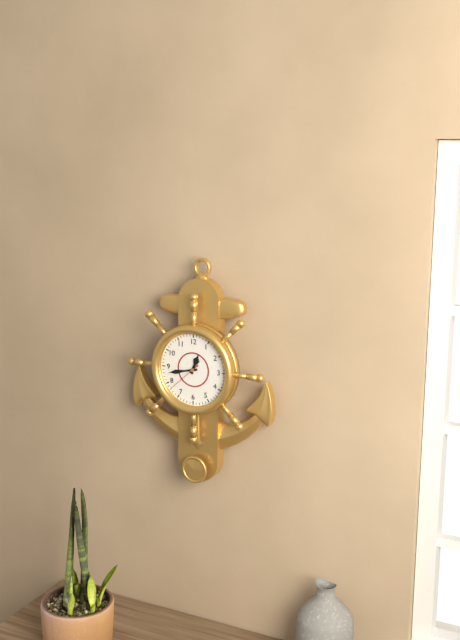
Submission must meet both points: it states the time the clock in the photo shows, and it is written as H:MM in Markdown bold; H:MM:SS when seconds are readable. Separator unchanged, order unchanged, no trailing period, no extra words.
**12:43**
